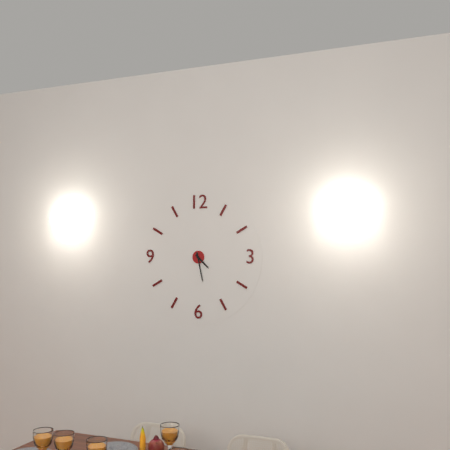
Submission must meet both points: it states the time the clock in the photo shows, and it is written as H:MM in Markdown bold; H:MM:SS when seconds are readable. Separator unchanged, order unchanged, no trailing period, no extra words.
**4:28**
